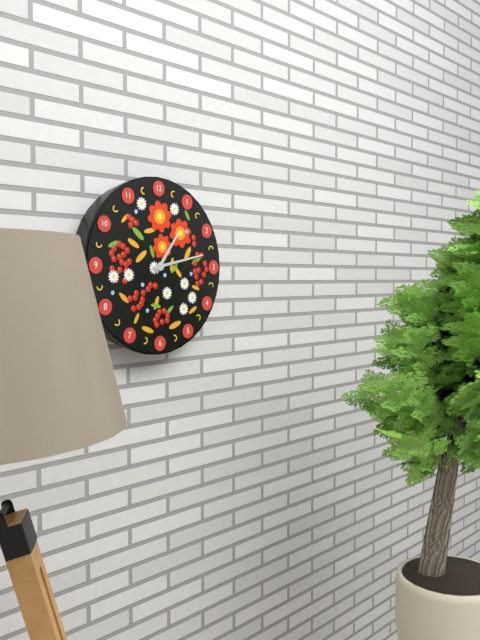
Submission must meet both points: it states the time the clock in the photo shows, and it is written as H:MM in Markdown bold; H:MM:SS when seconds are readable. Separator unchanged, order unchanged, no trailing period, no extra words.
**1:13**
